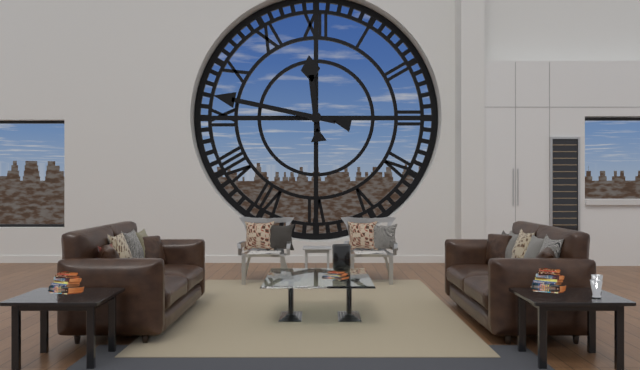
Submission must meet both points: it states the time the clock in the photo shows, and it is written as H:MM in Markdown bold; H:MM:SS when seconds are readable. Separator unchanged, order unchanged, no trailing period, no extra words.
**11:47**
